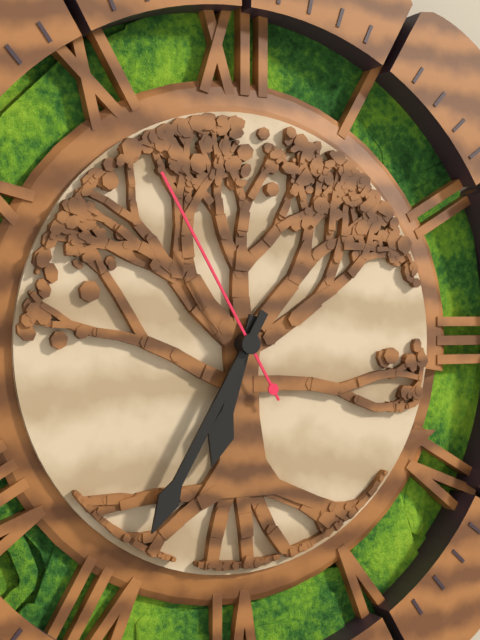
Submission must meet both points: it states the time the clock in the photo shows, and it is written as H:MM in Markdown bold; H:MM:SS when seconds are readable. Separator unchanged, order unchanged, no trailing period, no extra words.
**6:35:55**
